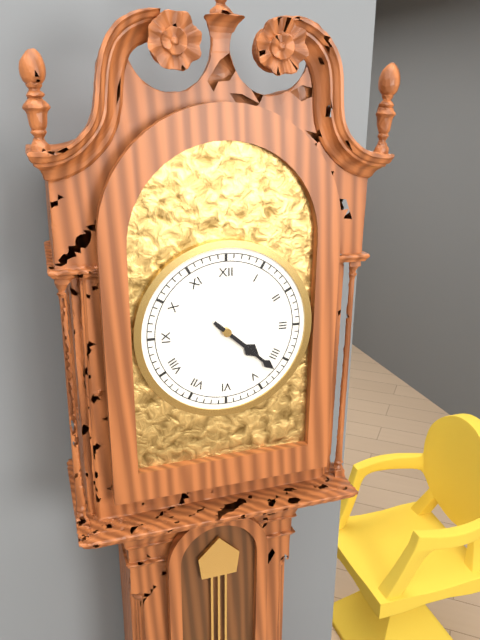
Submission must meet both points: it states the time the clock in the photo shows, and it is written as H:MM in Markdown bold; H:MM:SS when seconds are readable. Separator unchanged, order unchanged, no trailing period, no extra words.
**4:22**
